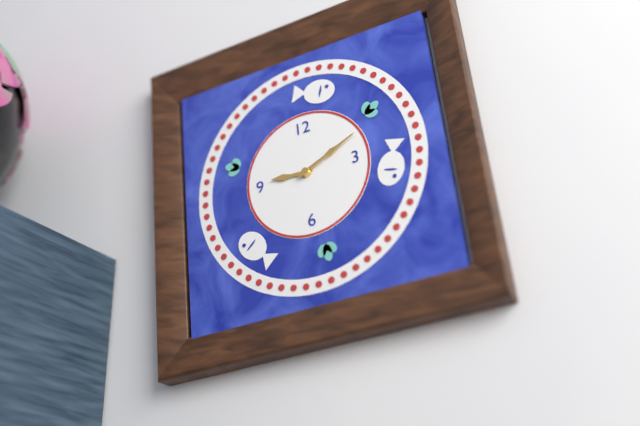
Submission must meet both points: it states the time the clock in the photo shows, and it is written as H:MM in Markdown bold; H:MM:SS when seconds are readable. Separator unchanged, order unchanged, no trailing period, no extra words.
**9:11**
